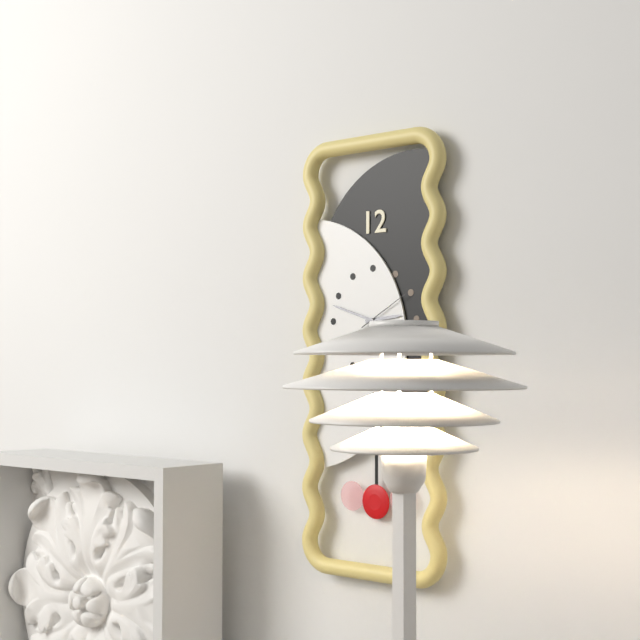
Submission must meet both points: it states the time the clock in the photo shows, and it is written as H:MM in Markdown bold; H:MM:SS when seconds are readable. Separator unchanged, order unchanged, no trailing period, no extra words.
**2:48:10**
